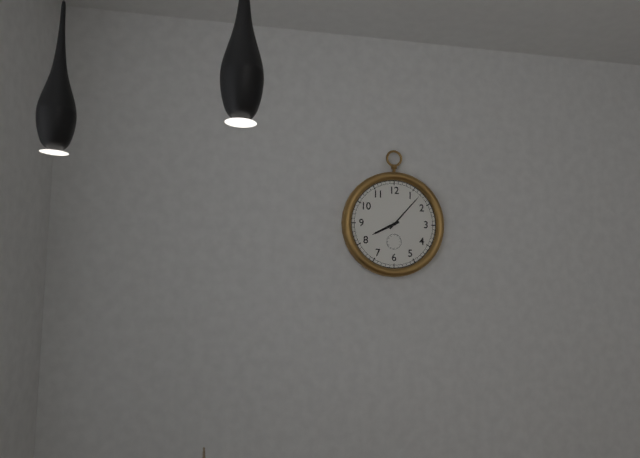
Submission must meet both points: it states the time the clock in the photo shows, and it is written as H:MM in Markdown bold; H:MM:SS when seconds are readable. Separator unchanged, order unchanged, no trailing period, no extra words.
**8:07**
